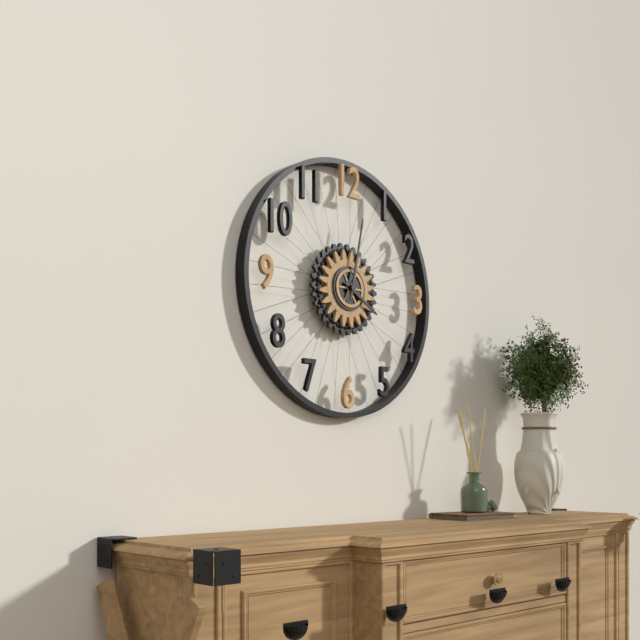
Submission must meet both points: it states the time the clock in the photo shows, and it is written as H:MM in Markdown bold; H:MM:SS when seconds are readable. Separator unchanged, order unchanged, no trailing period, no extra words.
**4:02**
